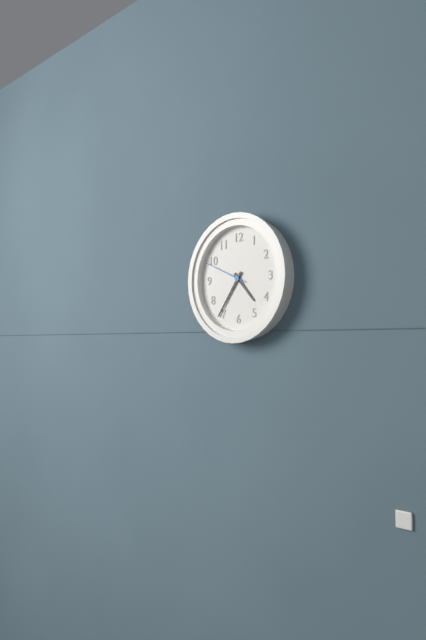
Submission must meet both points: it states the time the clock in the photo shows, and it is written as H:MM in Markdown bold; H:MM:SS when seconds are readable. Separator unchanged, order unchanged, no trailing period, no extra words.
**4:36**
